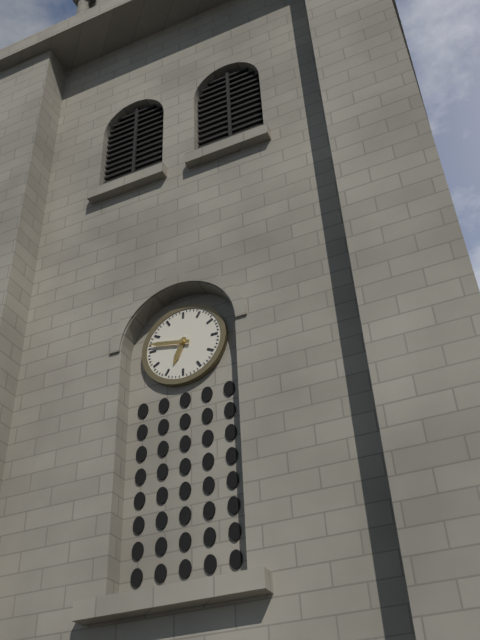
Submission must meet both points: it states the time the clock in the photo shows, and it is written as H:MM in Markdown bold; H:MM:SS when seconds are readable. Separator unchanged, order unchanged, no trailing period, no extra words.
**6:47**
